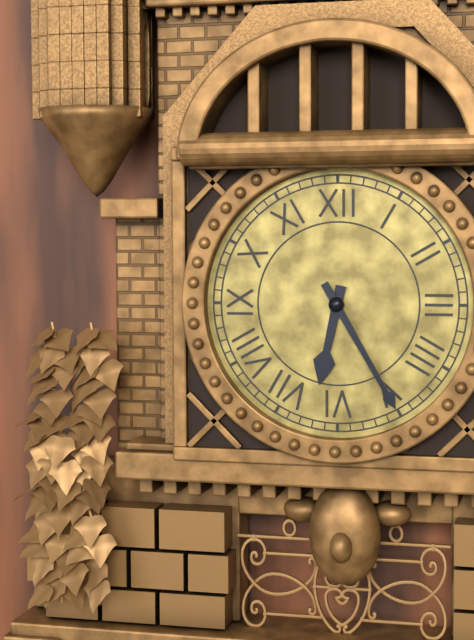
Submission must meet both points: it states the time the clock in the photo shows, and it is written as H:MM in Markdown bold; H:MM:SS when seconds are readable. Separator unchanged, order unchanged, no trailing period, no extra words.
**6:25**
